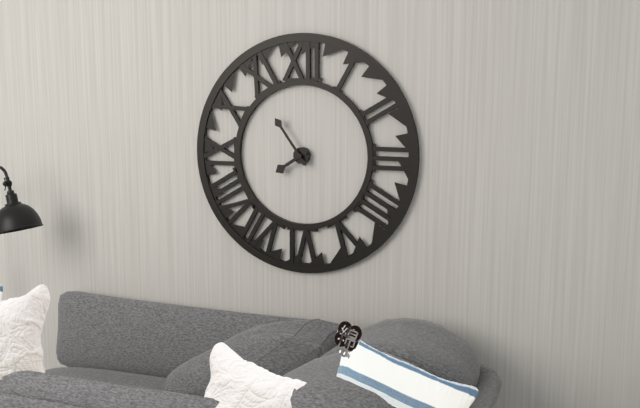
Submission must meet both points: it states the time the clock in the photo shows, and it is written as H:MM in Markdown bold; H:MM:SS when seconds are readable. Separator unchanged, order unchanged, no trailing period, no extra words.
**7:54**
